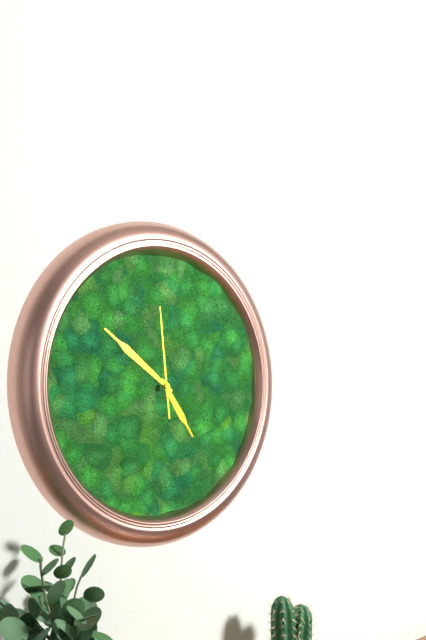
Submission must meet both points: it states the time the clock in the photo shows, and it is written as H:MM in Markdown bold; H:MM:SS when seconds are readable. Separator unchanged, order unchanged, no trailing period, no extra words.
**4:51:59**
